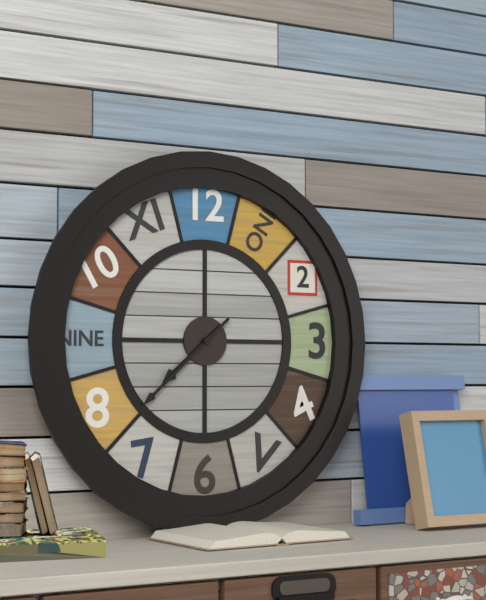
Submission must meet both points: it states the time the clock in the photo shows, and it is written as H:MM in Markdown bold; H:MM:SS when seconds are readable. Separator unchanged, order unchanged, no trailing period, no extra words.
**7:38**
